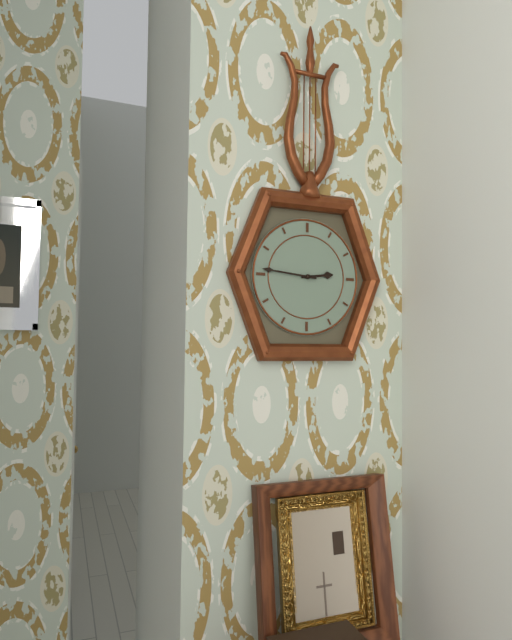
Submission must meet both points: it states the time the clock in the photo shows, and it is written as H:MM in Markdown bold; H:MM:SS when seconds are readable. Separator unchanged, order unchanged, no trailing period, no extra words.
**2:46**
